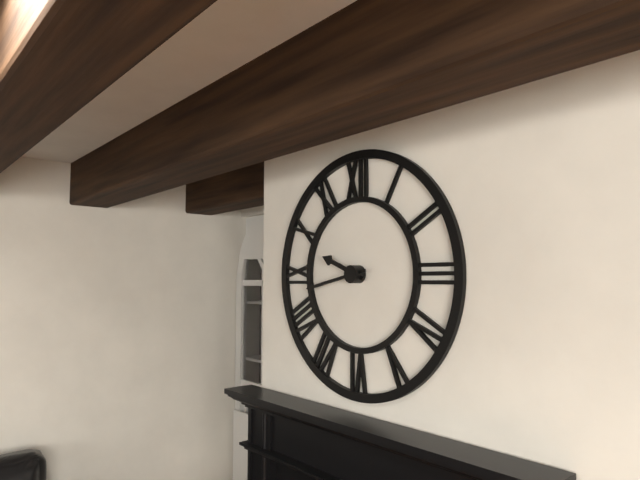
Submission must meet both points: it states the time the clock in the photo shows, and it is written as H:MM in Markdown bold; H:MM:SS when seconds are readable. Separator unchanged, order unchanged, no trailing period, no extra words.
**9:43**
